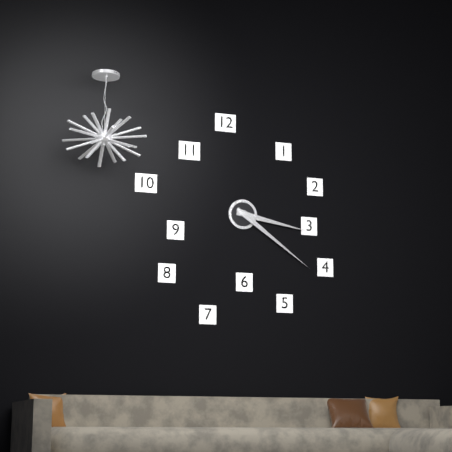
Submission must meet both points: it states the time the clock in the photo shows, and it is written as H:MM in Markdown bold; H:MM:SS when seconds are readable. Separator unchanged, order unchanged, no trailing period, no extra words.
**3:21**
